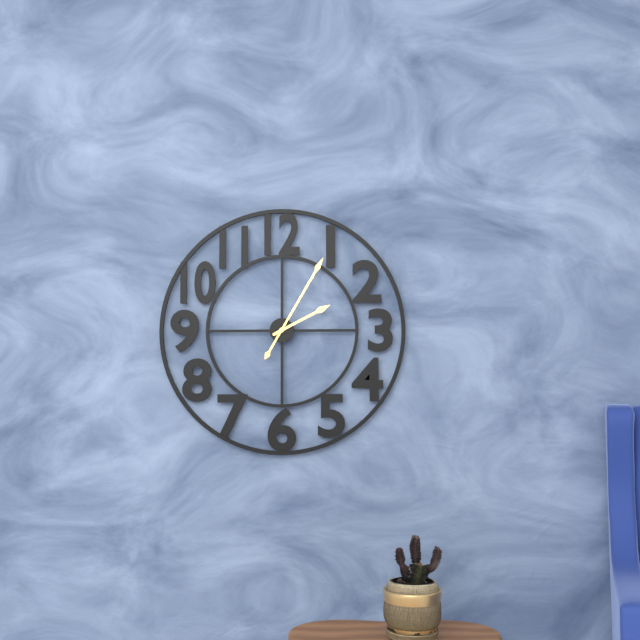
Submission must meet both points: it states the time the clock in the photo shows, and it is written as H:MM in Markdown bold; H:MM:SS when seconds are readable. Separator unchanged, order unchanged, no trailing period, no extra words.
**2:05**
